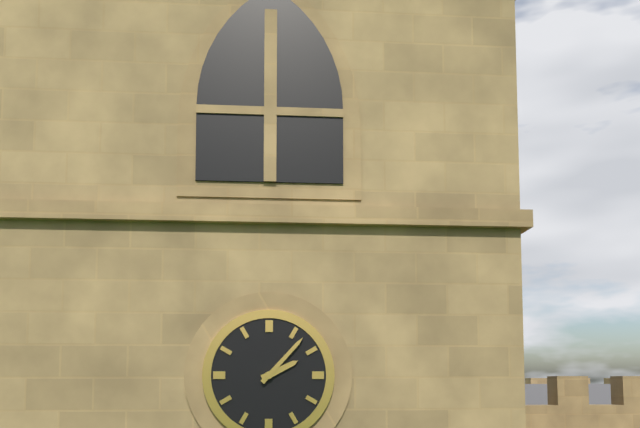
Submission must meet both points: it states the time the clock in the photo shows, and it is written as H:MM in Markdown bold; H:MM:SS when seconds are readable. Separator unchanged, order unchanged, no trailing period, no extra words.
**2:07**
